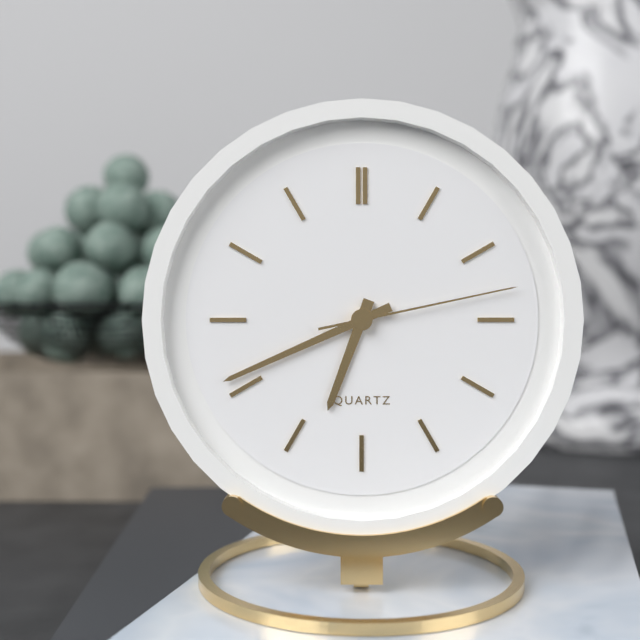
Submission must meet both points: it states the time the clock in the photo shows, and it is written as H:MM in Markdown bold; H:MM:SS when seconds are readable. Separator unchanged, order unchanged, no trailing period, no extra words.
**6:41:13**
